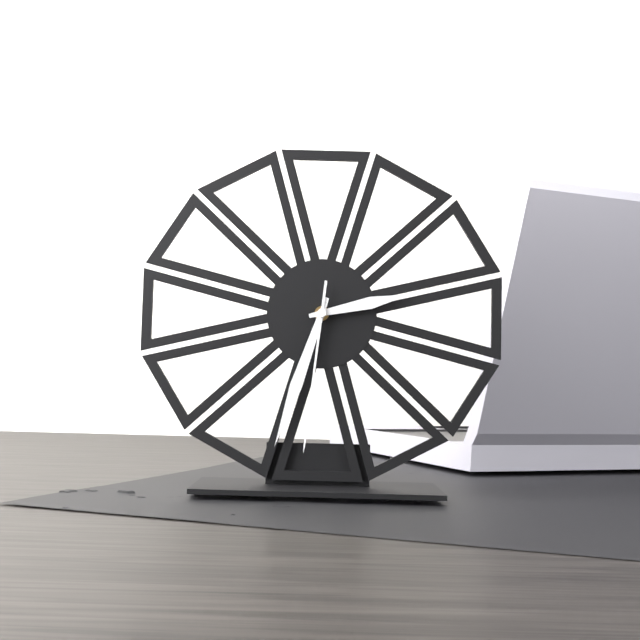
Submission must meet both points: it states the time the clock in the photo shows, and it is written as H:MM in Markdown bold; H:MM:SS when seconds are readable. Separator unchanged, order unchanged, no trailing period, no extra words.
**2:33:31**
